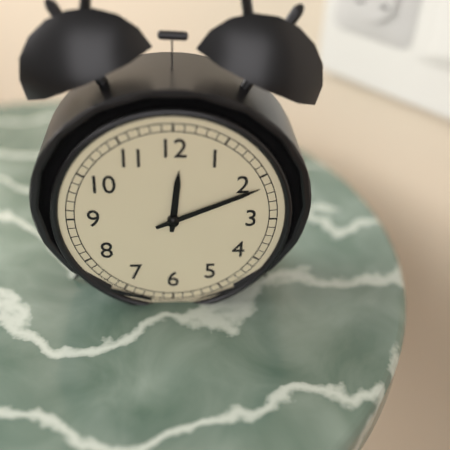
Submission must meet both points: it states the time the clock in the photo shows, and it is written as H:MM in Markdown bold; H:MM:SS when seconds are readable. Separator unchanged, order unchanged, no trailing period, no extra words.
**12:11**
